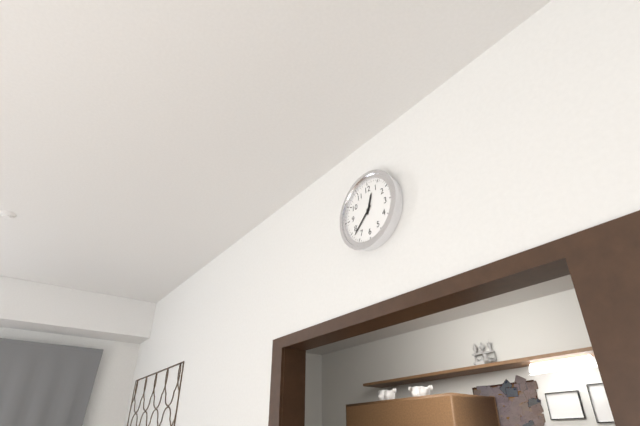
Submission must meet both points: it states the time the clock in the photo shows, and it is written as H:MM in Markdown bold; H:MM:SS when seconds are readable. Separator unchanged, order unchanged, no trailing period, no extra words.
**12:38**
